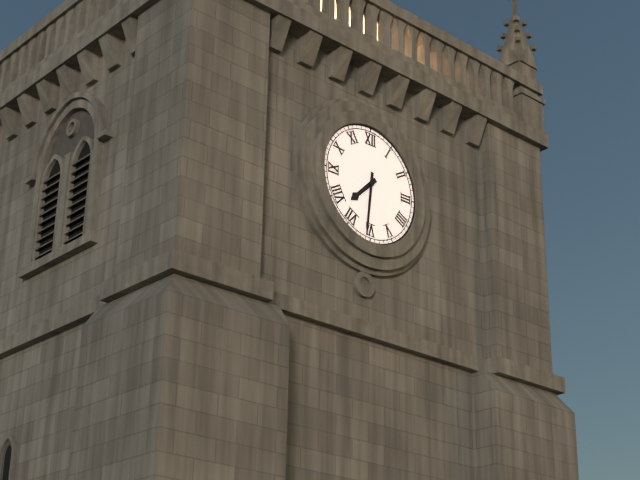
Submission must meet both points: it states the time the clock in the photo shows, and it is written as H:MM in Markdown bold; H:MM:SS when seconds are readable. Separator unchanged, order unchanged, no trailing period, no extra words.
**7:31**
